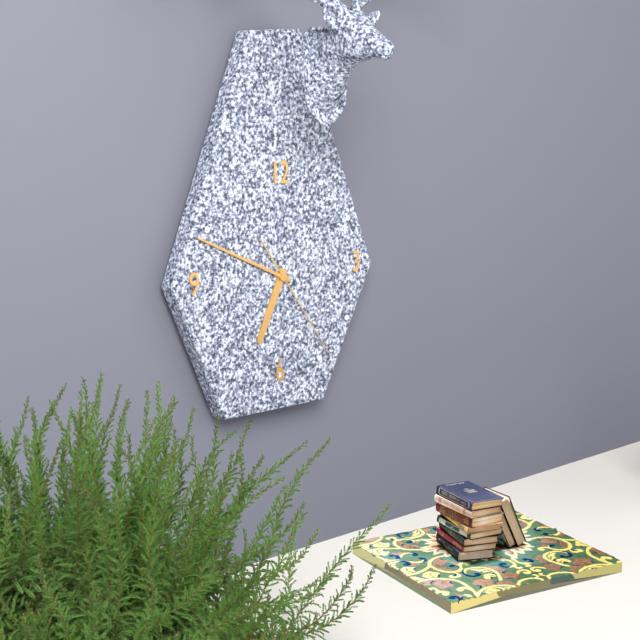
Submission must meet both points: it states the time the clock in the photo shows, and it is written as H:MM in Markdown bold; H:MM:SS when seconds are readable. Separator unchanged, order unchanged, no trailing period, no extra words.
**6:49:24**
